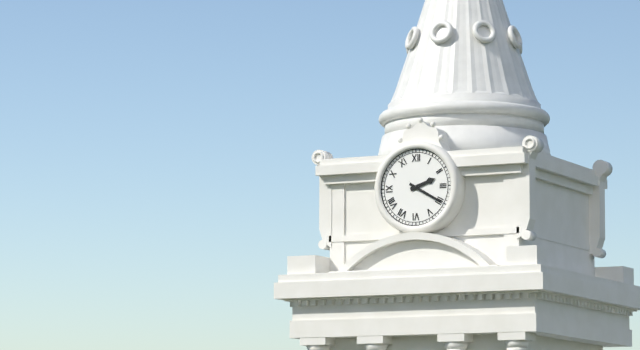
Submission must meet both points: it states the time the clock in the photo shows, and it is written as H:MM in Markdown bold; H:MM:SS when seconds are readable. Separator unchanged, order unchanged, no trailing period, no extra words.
**2:20**
